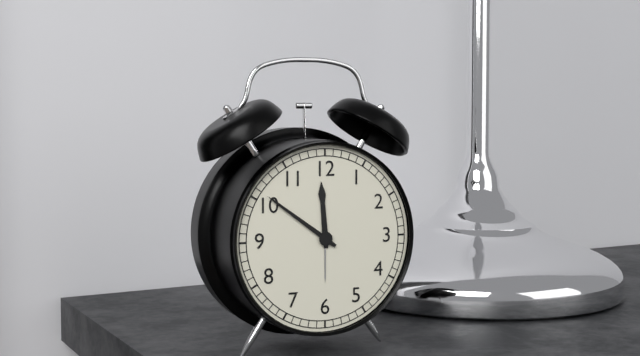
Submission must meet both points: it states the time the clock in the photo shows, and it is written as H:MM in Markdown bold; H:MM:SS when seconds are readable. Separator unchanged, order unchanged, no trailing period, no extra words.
**11:51**
